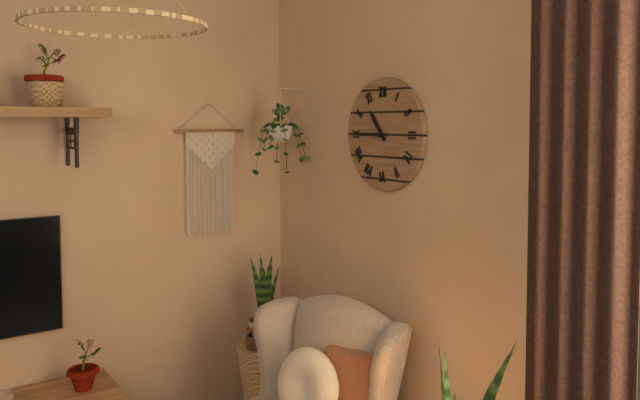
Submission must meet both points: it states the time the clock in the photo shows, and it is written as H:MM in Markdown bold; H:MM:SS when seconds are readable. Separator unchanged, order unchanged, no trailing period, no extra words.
**10:45**
